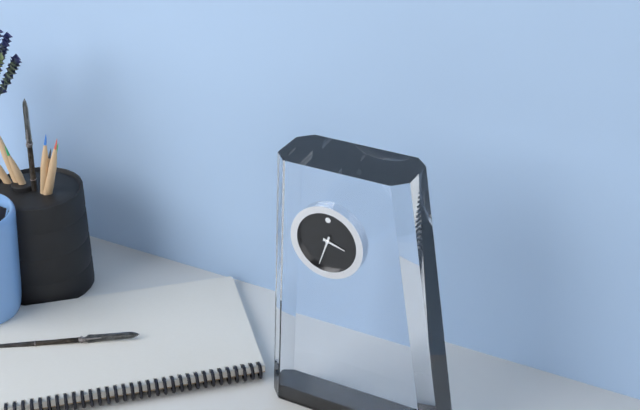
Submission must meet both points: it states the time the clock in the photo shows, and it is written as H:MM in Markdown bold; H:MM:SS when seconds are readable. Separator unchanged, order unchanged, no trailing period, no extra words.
**3:33**
